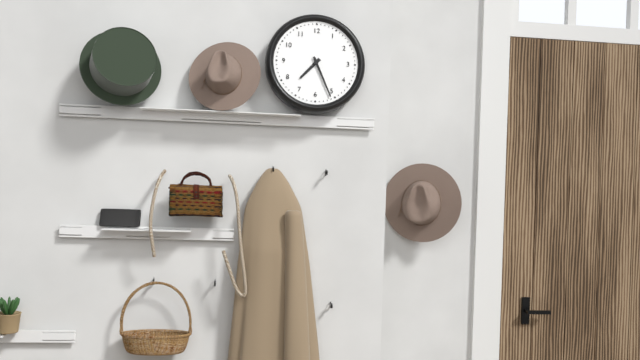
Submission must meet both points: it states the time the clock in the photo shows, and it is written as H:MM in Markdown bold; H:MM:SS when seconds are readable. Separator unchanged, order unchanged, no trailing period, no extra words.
**7:26**
